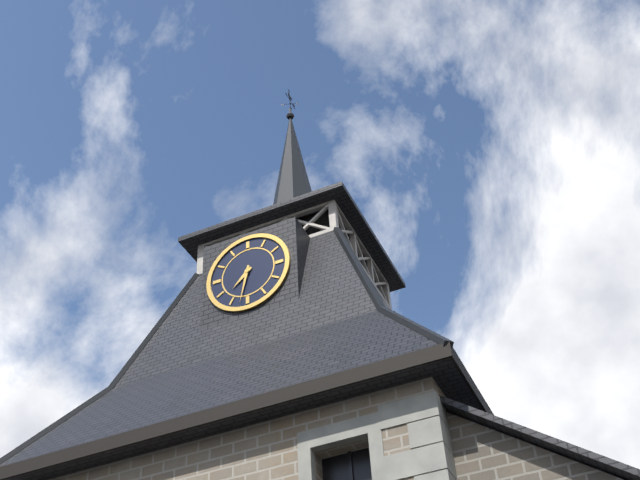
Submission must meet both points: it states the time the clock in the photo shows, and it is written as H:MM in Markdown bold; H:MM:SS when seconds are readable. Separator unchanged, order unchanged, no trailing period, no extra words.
**7:32**
